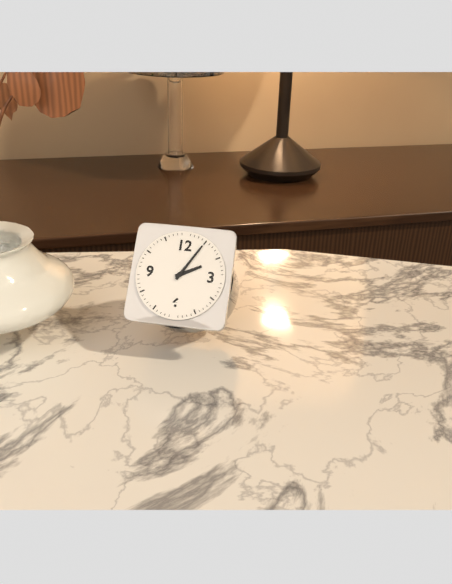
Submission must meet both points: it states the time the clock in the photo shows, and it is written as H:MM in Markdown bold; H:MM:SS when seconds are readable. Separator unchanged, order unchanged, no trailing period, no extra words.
**2:05**
